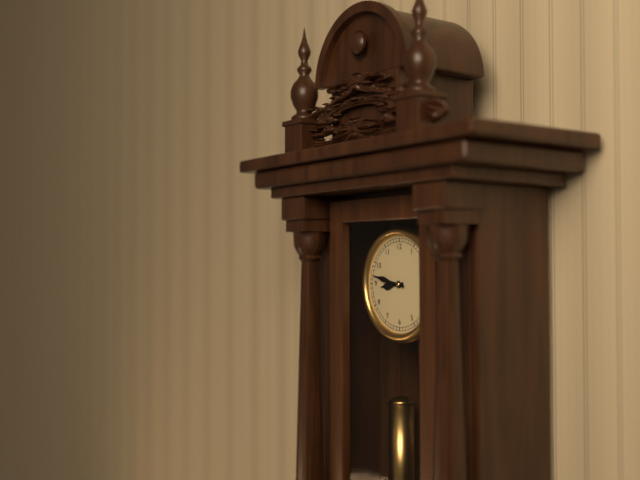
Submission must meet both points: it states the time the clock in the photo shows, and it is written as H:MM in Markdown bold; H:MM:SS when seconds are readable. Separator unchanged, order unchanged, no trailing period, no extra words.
**8:47**
